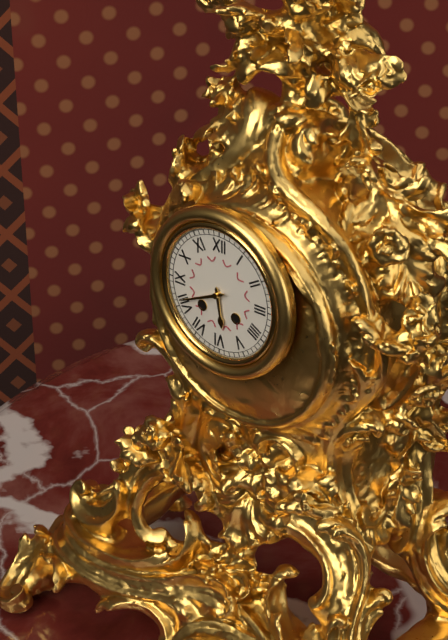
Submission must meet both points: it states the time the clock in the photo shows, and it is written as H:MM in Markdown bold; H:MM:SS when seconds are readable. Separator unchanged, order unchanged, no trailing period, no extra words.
**5:41**
